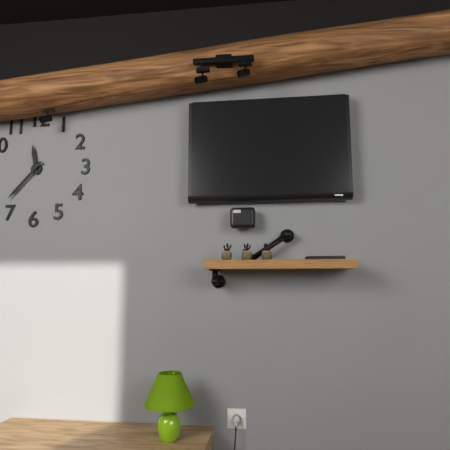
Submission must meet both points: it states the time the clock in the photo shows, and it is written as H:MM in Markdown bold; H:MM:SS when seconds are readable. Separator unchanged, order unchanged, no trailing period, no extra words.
**11:37**
